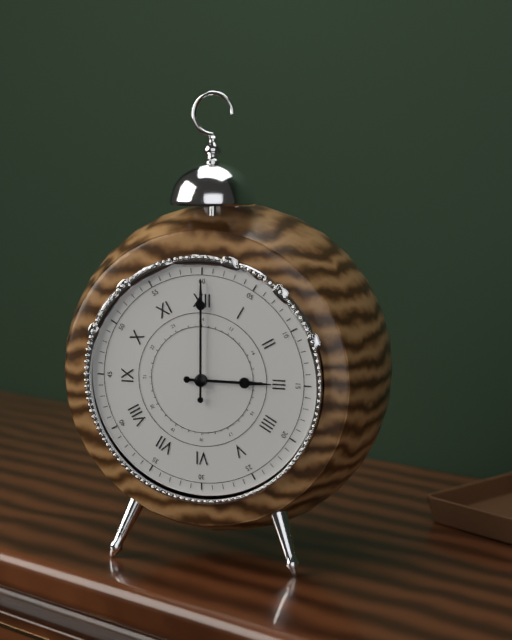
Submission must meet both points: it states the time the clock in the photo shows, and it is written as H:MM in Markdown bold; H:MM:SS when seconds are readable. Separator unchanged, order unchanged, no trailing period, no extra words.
**3:00**
